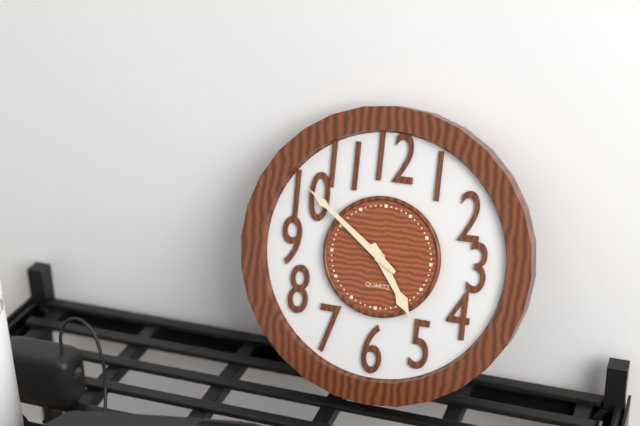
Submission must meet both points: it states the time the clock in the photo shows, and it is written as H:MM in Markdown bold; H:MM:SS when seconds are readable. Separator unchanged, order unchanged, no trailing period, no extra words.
**4:51**
